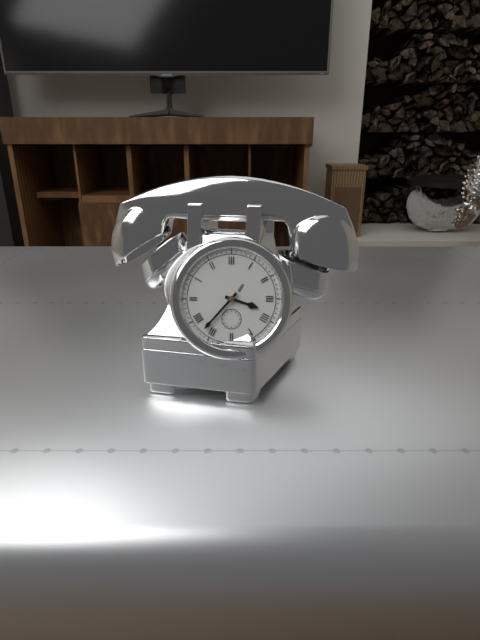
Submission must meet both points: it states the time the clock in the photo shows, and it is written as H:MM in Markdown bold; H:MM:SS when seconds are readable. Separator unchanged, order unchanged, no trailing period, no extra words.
**3:37**
